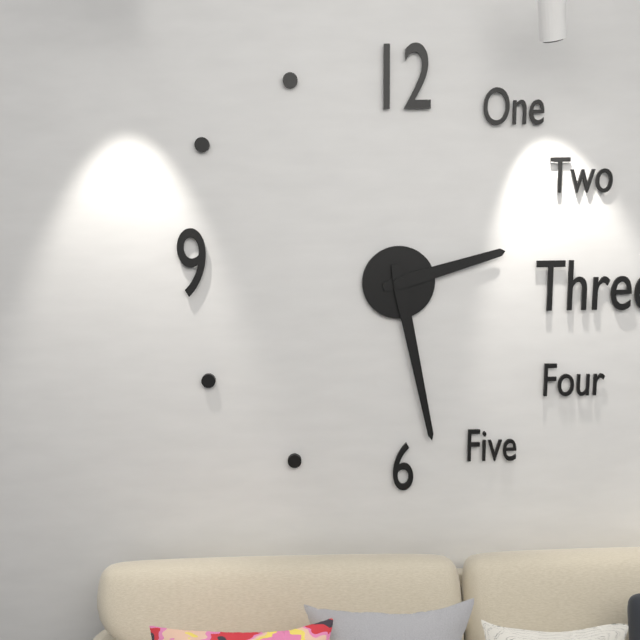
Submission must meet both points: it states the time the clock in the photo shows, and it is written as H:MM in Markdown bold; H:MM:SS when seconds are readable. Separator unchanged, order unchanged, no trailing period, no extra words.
**2:28**
